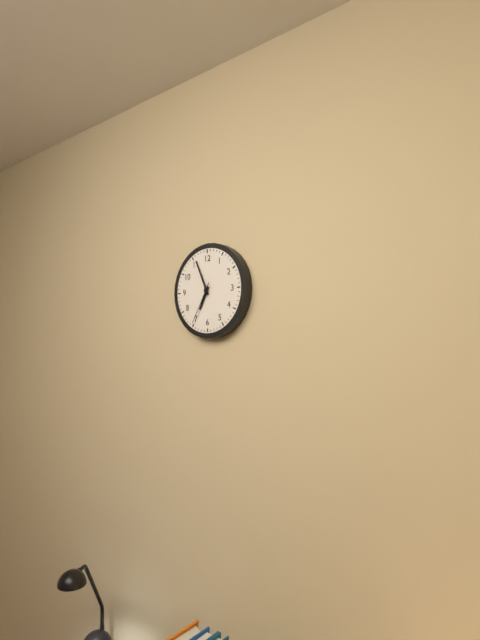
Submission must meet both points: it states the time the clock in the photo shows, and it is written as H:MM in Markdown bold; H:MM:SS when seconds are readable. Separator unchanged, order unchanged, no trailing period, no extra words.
**6:56**
